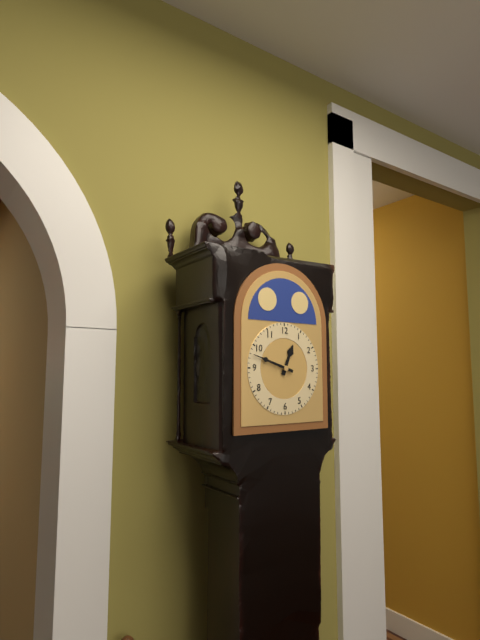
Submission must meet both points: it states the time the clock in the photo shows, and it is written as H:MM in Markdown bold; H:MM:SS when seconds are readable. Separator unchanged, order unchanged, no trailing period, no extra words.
**12:48**
